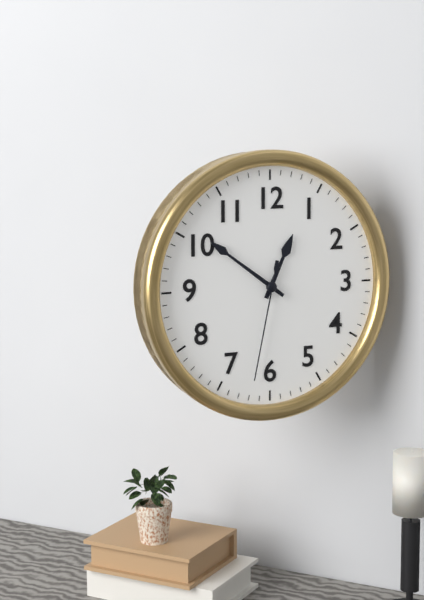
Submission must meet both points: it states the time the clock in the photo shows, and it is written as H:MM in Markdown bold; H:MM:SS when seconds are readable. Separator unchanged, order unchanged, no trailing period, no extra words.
**12:51:32**
